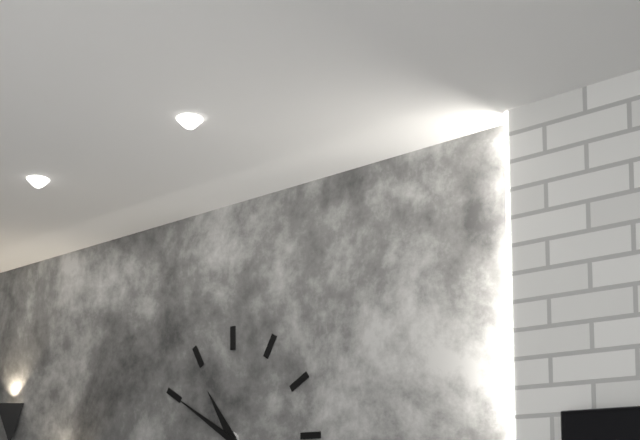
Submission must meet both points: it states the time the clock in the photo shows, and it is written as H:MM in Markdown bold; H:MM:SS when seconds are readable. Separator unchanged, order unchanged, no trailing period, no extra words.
**10:50**
